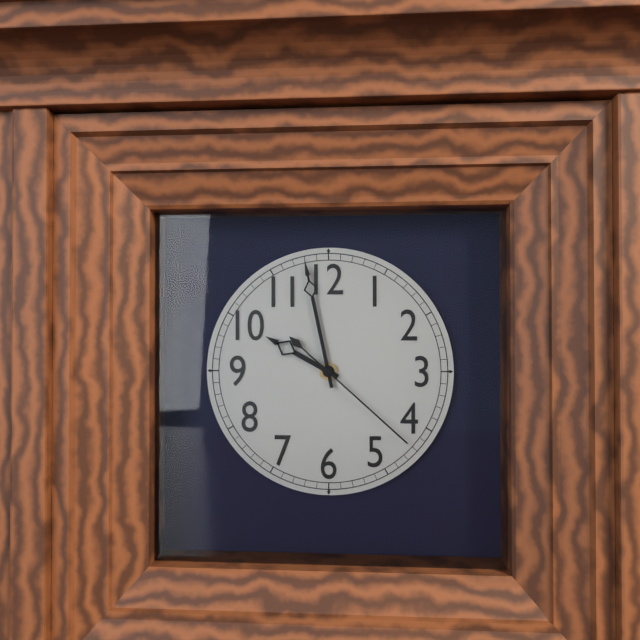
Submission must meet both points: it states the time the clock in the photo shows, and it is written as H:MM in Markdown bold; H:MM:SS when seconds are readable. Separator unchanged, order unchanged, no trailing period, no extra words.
**9:58:22**
